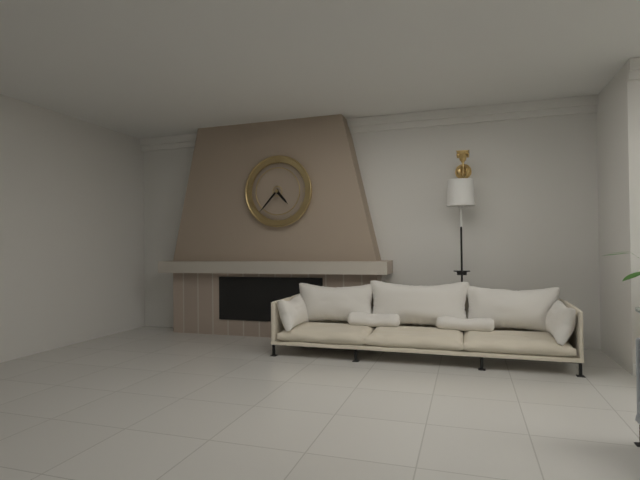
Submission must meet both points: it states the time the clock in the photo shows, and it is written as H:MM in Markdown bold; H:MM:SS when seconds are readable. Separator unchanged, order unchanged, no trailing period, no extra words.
**4:37**
